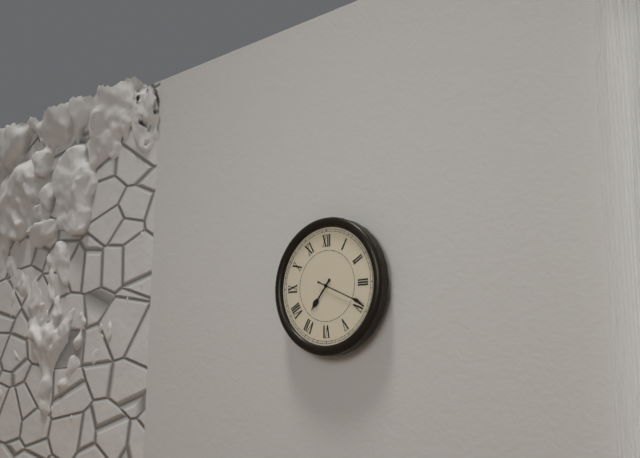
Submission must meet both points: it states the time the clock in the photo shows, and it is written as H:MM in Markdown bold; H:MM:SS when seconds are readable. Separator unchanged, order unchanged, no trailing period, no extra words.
**7:19**
